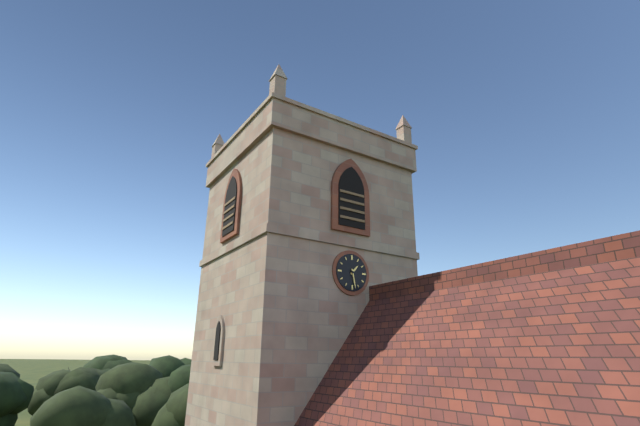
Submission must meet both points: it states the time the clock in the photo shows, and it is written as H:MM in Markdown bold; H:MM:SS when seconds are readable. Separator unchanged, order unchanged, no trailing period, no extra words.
**1:28**
